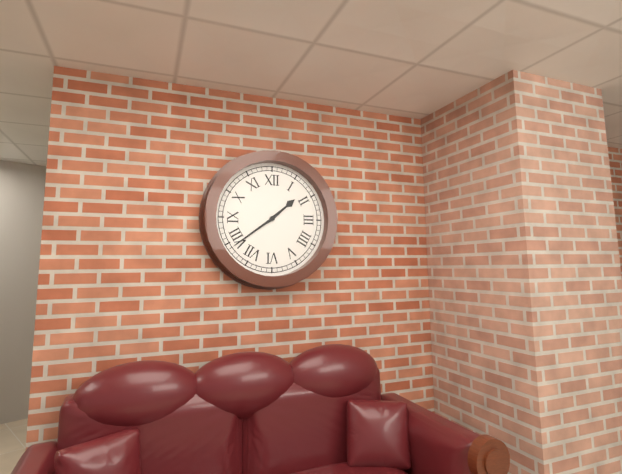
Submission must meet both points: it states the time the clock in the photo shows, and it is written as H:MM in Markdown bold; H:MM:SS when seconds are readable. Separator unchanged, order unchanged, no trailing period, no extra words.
**1:39**
